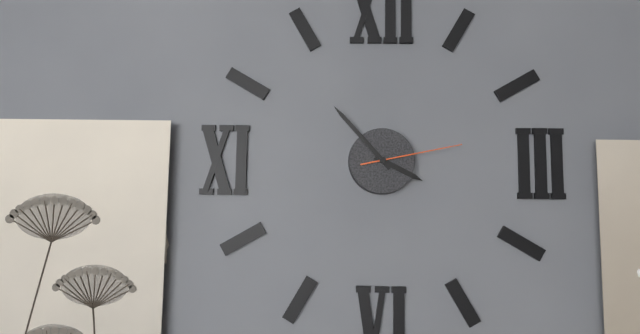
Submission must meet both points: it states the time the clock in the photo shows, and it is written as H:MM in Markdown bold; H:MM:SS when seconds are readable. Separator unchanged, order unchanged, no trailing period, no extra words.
**3:53:13**
